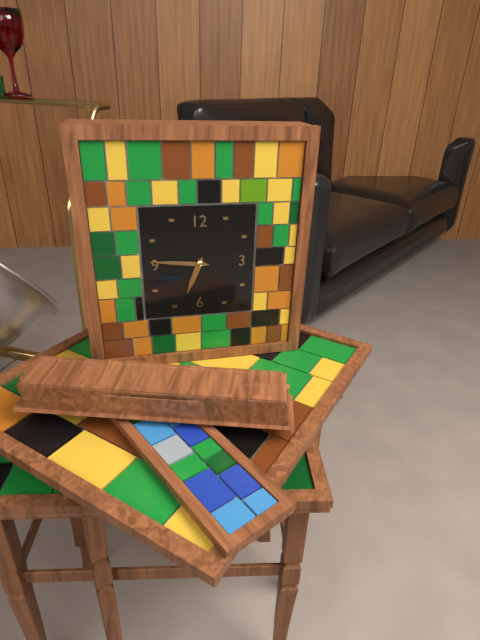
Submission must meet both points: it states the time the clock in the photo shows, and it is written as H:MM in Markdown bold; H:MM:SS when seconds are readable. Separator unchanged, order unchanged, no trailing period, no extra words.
**6:46**
